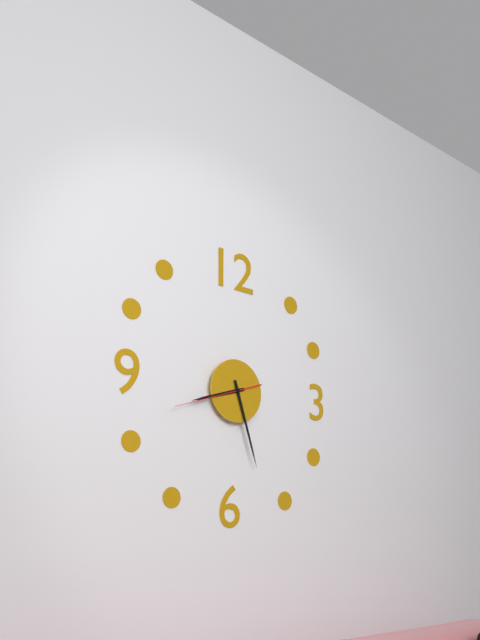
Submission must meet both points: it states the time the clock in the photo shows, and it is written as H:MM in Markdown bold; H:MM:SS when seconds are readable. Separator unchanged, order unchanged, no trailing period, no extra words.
**8:27:42**
